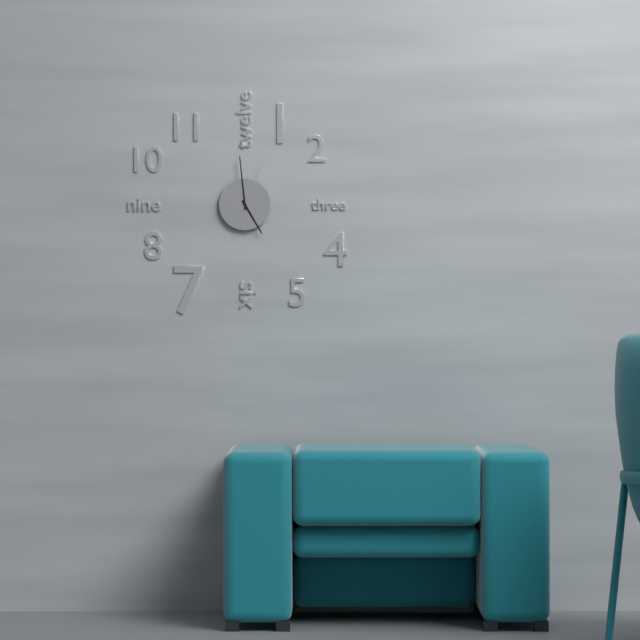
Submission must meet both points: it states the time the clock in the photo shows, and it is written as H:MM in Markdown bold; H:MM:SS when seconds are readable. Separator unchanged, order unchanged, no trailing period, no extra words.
**4:59:04**
